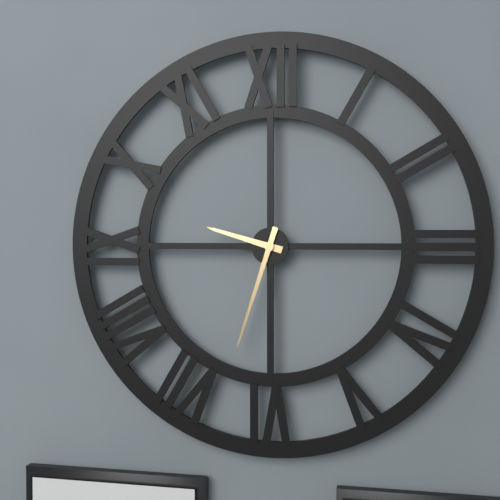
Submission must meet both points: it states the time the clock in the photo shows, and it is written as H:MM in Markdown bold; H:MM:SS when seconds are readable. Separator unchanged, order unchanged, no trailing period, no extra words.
**9:33**
